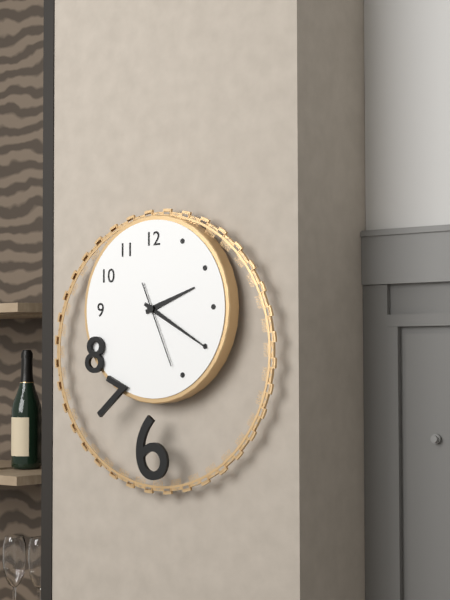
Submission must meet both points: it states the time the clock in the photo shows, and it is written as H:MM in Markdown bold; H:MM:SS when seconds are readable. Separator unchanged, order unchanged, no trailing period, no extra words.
**2:20:26**
